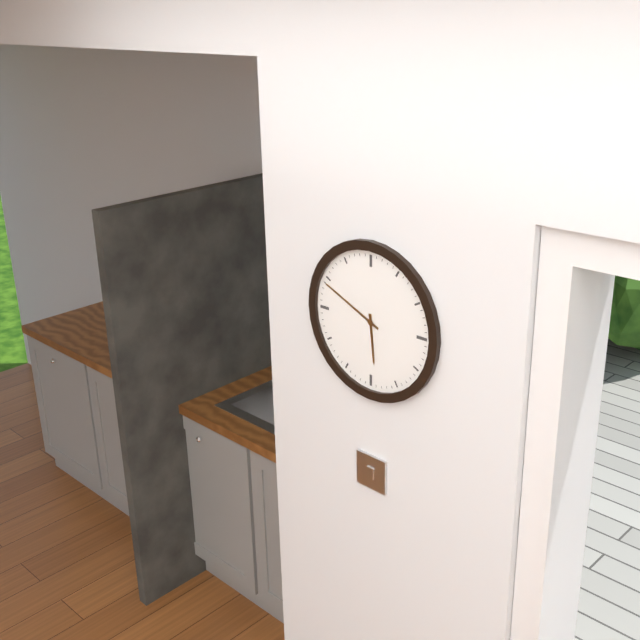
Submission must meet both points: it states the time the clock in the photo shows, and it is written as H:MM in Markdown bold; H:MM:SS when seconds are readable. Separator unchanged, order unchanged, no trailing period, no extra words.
**5:49**
